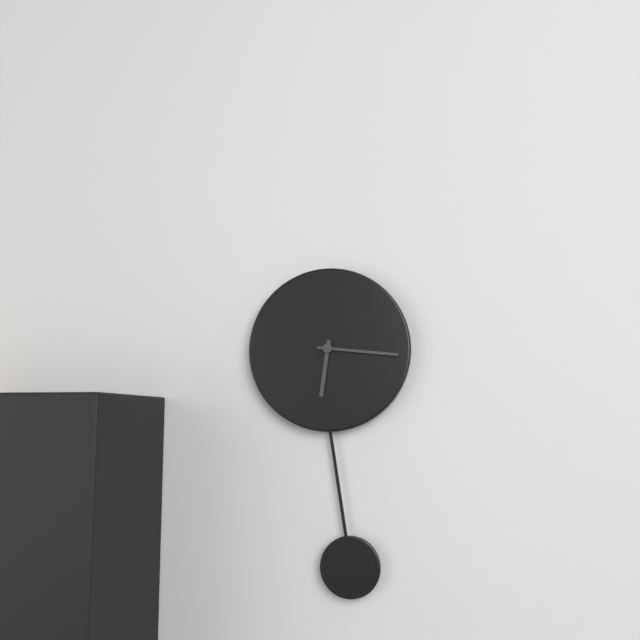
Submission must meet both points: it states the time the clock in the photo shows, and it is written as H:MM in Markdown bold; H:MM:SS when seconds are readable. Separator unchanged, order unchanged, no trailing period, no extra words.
**6:16**
